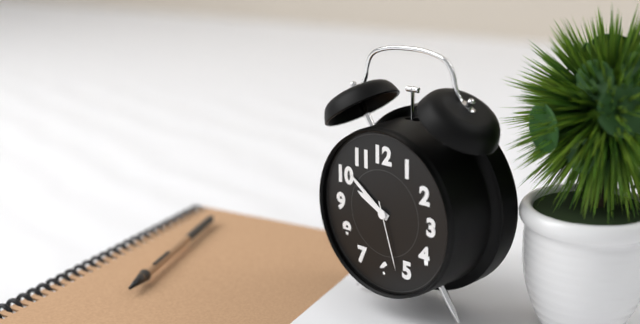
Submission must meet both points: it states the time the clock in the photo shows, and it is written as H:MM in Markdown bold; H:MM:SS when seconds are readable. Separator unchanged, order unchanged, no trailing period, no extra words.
**9:51:27**
